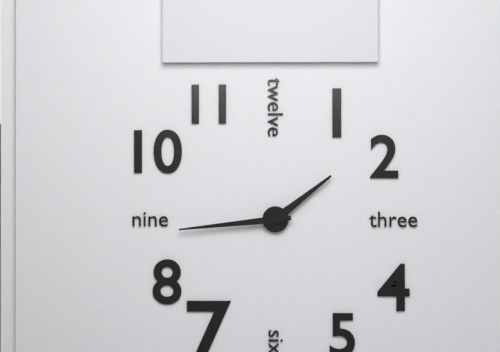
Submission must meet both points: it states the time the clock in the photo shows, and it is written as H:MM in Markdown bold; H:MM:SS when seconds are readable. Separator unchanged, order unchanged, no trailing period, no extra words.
**1:44**
